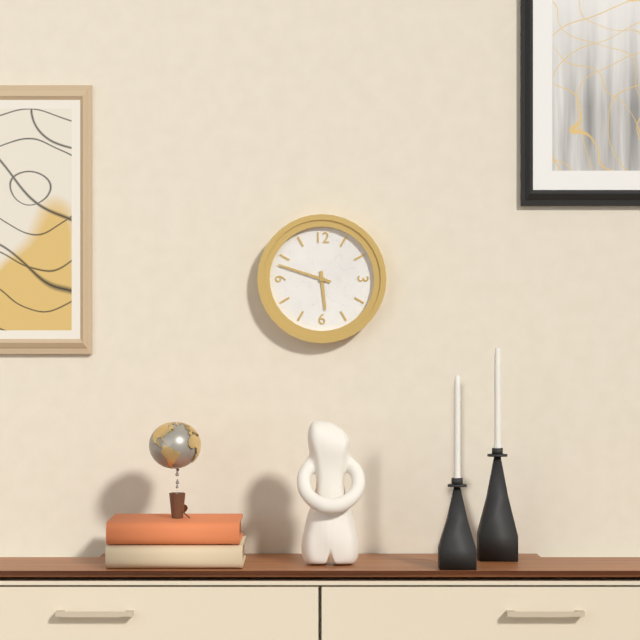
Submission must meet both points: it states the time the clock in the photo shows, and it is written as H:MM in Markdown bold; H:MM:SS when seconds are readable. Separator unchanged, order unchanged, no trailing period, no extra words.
**5:48**
